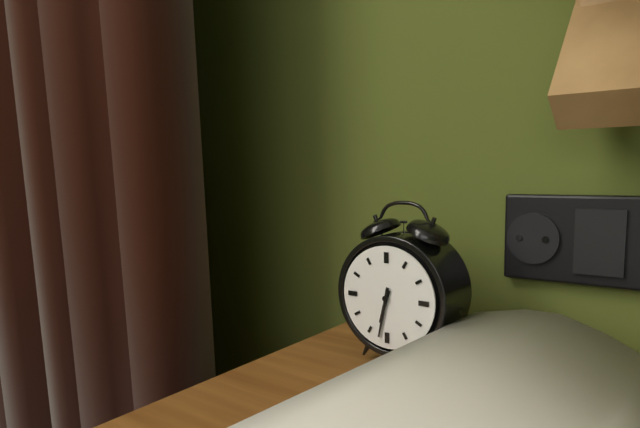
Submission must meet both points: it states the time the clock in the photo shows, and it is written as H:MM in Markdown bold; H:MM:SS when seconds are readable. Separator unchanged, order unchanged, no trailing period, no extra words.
**6:32**
